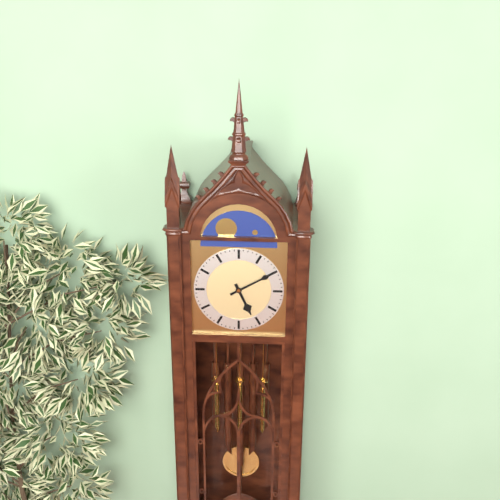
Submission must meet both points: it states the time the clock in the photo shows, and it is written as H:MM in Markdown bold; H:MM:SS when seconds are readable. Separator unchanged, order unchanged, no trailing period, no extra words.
**5:10**
